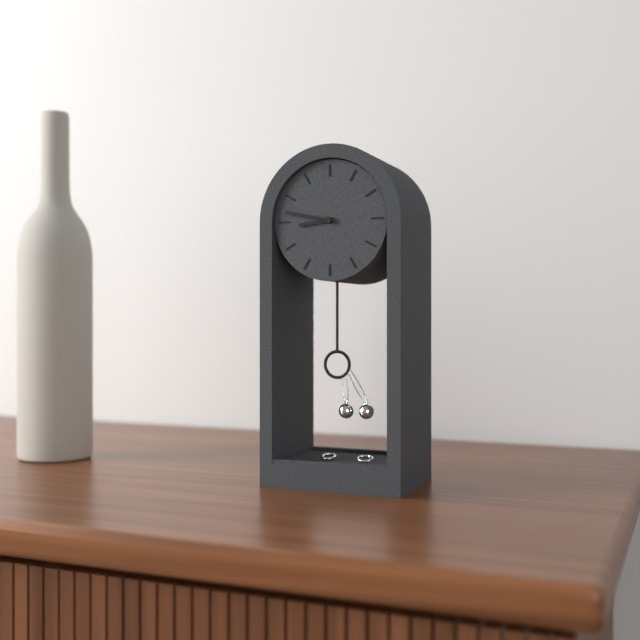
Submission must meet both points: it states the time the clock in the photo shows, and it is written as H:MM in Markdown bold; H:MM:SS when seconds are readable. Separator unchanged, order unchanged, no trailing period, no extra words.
**8:47**
